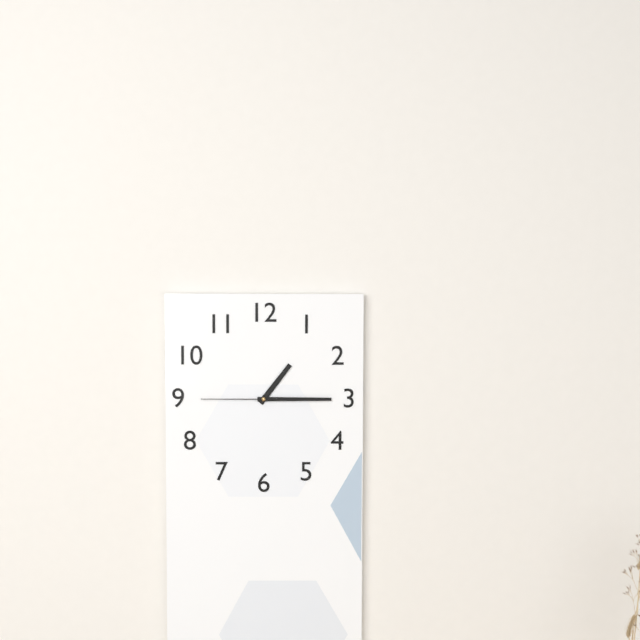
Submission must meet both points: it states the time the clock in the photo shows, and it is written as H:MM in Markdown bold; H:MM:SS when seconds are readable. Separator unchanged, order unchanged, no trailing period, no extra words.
**1:15:45**
